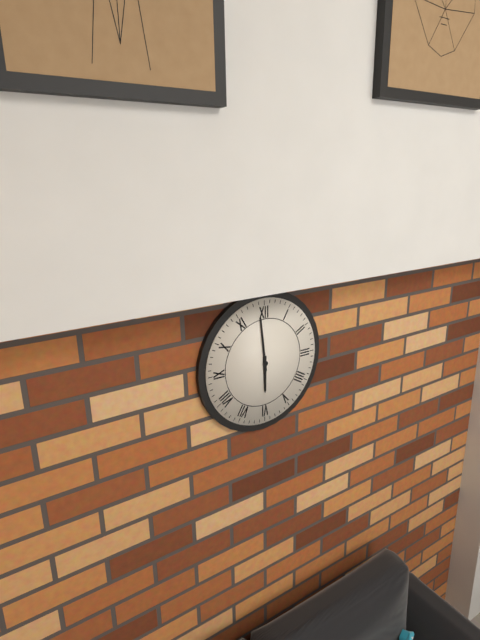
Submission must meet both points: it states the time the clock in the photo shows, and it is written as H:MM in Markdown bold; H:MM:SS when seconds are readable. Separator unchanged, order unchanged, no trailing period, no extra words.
**5:59**
